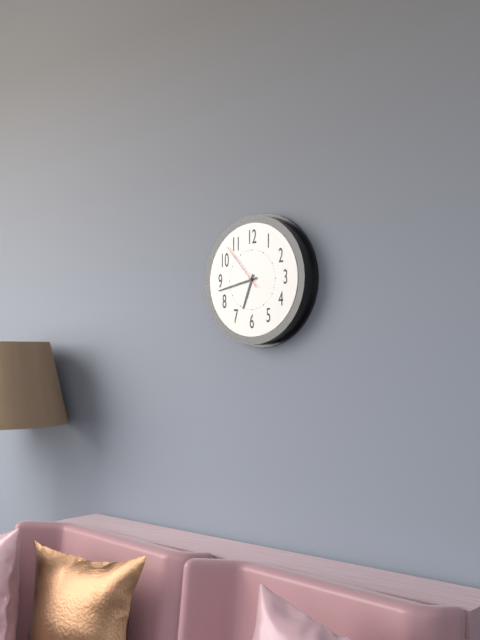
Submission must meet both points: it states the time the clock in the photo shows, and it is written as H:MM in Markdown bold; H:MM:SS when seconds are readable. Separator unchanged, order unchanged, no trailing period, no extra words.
**6:43:53**
